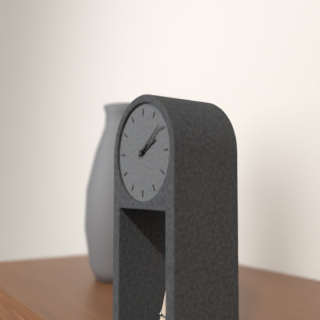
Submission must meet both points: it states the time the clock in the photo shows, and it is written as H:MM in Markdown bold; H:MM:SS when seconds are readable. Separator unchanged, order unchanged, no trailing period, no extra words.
**2:09**
